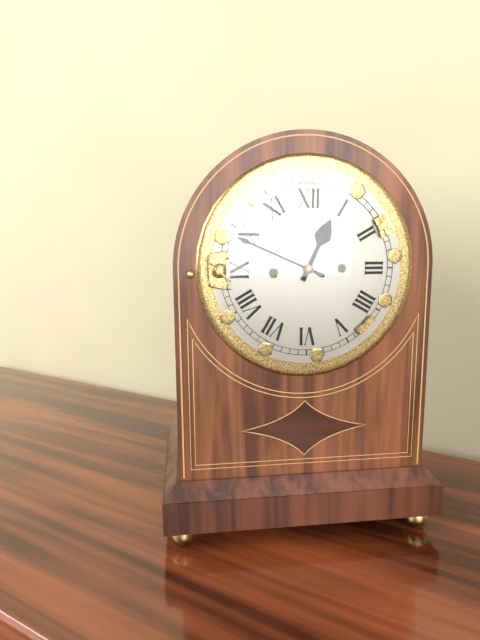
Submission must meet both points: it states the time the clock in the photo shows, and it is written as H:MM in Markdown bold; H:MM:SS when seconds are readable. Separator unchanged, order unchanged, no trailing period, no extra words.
**12:49**
